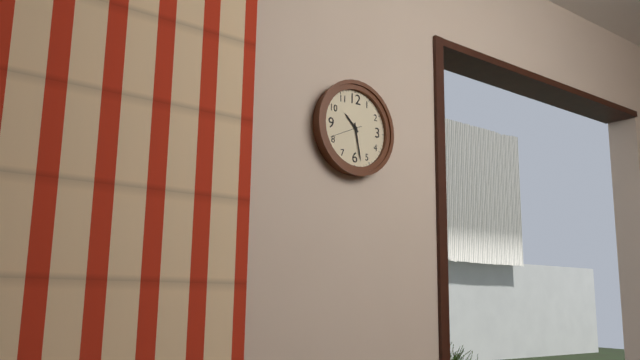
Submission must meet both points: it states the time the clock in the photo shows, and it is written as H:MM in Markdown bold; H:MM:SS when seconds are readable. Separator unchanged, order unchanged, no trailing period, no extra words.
**10:28**
